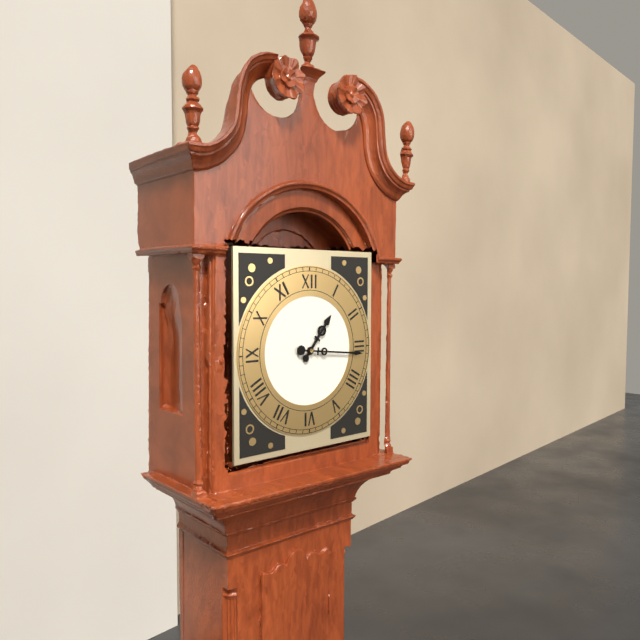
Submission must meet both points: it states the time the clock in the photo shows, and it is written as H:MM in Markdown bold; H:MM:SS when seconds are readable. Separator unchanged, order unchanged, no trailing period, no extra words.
**1:16**
